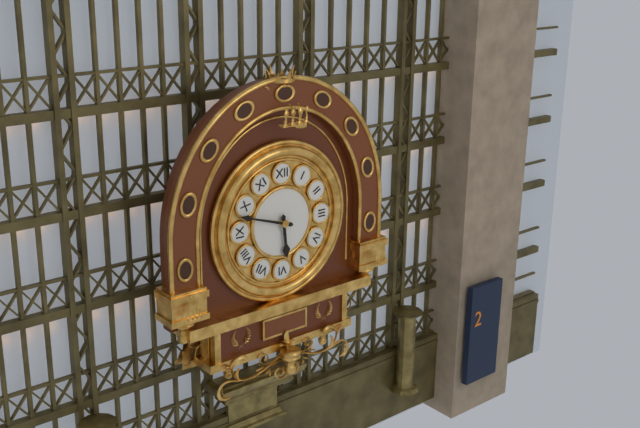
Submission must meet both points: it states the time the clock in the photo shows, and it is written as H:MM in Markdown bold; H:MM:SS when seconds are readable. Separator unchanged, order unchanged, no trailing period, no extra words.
**5:48**
